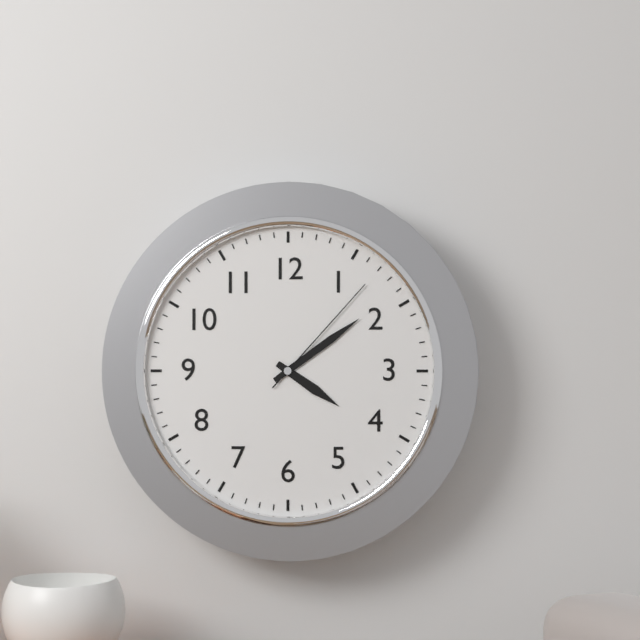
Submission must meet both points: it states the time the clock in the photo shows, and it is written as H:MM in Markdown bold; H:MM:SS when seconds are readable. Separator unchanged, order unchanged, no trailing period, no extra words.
**4:09:07**
